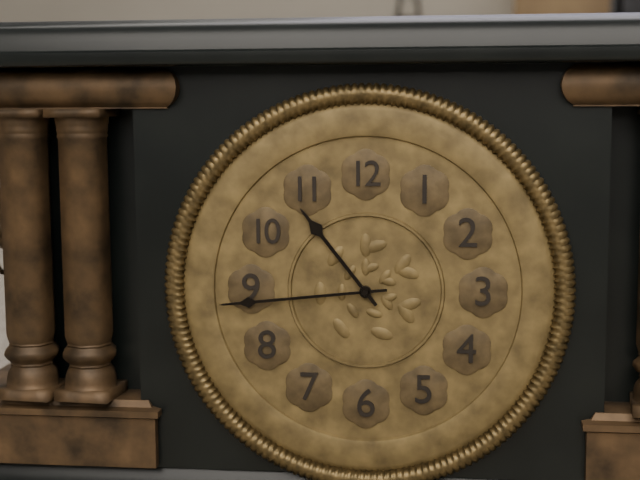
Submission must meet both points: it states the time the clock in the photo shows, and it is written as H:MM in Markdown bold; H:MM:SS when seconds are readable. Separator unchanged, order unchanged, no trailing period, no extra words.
**10:44**
